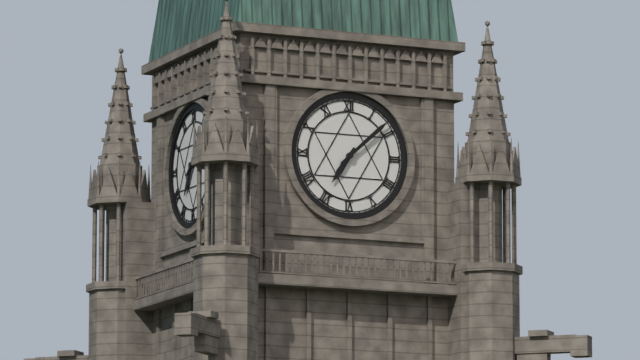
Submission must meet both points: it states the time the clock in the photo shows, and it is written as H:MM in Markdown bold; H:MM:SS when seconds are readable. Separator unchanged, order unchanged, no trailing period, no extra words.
**7:08**
